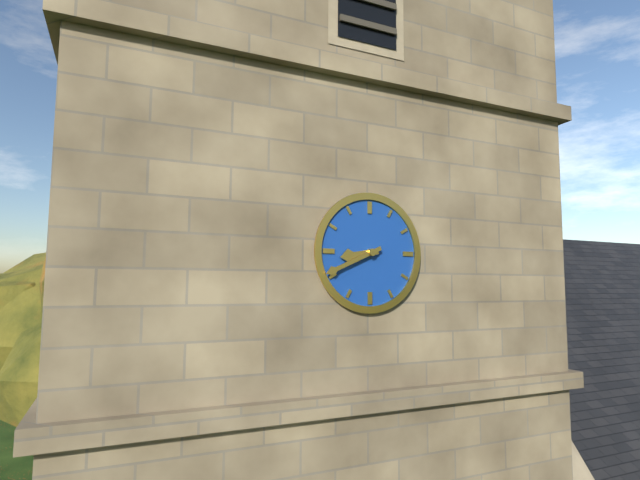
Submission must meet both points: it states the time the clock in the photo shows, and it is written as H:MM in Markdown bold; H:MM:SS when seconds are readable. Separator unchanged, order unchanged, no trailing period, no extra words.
**8:41**
